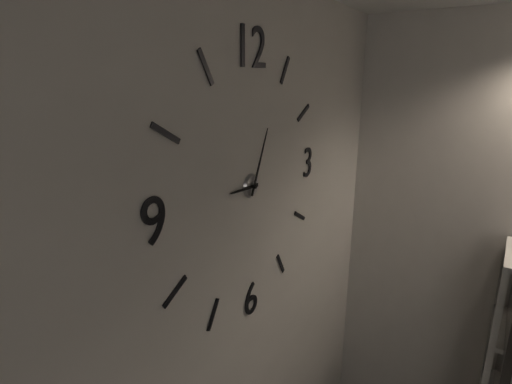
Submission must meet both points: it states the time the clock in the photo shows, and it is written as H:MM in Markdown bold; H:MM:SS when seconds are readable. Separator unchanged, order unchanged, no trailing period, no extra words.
**9:04**
